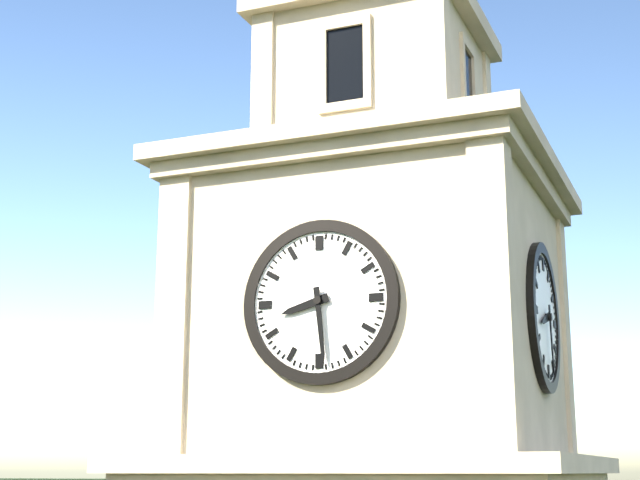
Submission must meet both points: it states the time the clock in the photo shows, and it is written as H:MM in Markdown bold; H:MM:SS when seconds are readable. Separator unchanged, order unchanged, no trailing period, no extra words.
**8:29**
